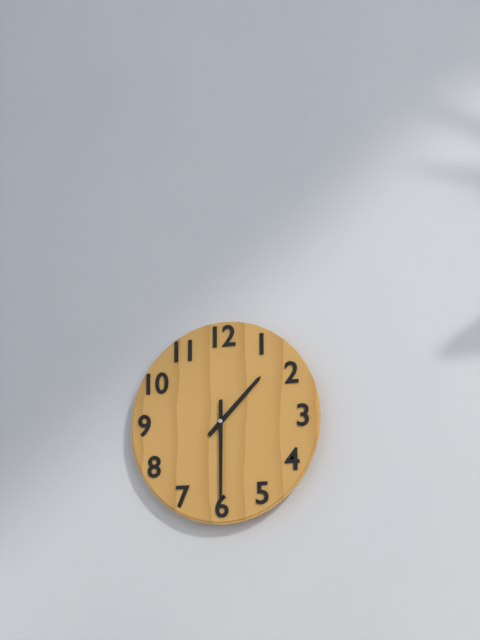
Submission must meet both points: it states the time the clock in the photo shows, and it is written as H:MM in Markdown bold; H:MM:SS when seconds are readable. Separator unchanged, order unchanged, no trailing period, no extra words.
**1:30**
